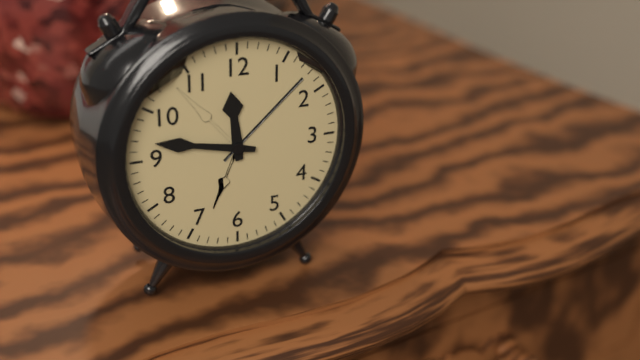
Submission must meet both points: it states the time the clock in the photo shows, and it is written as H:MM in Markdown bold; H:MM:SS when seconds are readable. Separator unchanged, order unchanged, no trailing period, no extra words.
**11:47**
